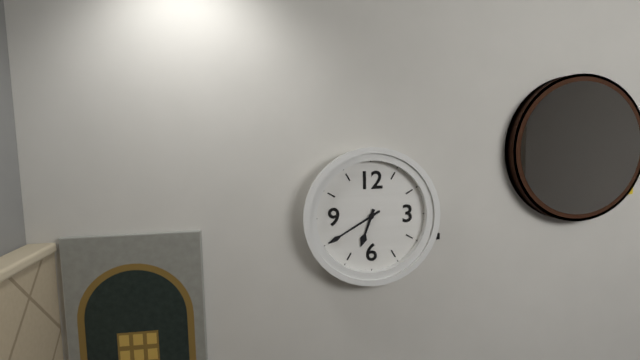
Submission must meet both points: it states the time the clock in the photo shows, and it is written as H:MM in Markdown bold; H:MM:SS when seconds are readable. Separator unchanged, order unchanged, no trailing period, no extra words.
**6:40**
